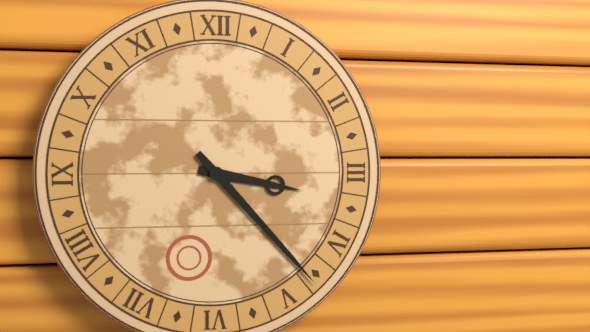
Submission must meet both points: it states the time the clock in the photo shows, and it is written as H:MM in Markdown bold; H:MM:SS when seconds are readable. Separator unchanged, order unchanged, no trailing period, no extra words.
**3:23**
